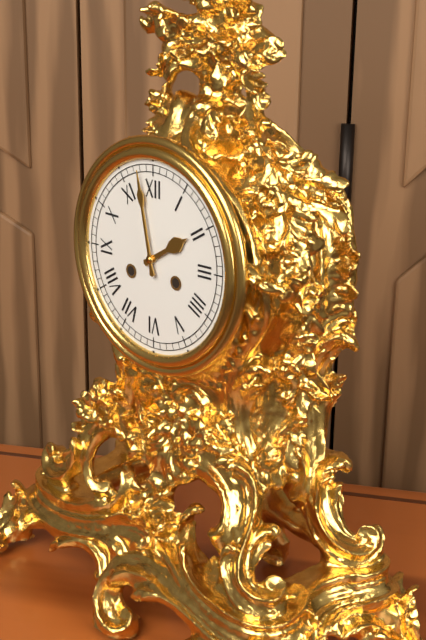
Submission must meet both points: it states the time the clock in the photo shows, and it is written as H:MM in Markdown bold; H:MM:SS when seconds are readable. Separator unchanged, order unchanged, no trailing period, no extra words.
**1:58**
